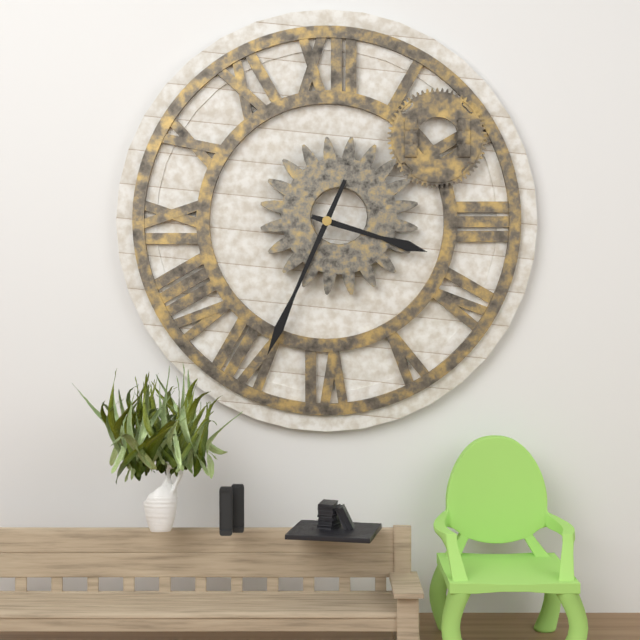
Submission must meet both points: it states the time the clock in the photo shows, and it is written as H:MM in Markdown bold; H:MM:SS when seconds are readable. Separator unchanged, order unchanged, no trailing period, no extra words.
**3:34**
